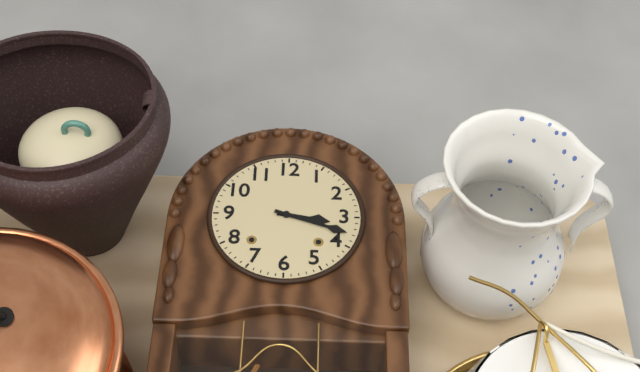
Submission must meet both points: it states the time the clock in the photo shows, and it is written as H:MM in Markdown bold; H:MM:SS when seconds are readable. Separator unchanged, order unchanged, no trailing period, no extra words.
**3:18**
